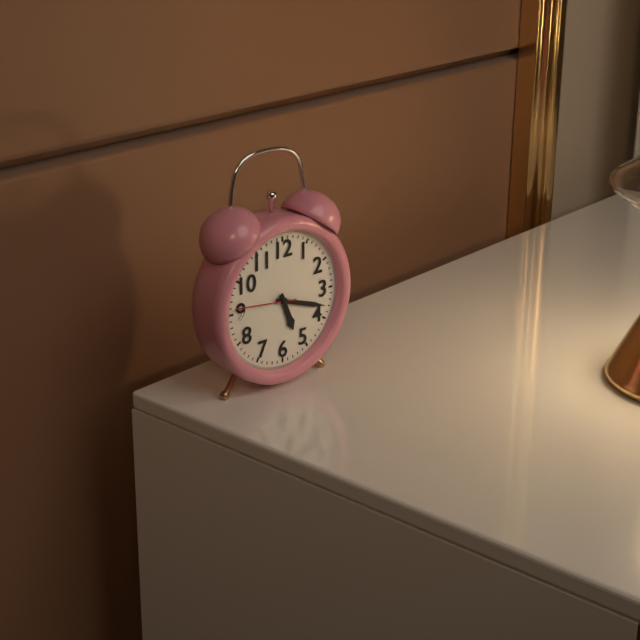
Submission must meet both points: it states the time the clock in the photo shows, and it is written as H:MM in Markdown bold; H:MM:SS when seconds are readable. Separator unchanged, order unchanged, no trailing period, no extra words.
**5:18:46**
